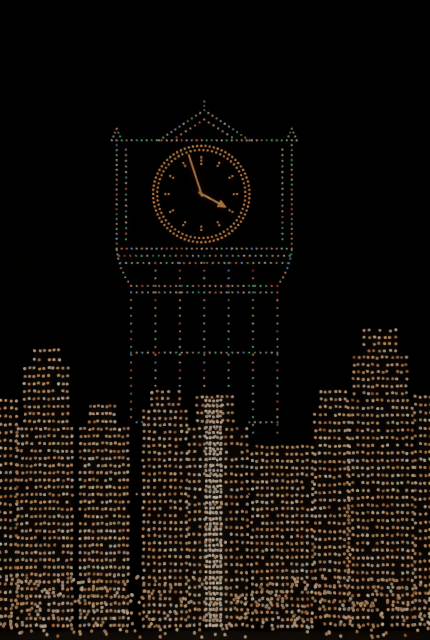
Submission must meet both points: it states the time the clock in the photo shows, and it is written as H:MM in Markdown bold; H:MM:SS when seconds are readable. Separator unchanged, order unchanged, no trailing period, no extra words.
**3:57**
